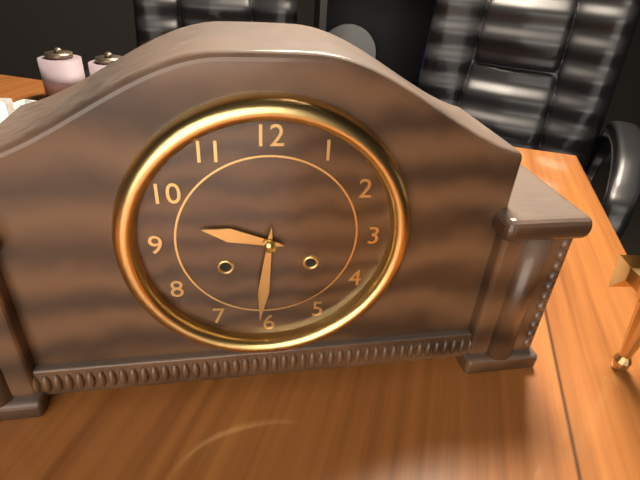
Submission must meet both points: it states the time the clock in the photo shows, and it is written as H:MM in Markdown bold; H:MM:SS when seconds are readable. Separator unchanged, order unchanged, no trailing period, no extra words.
**9:31**
